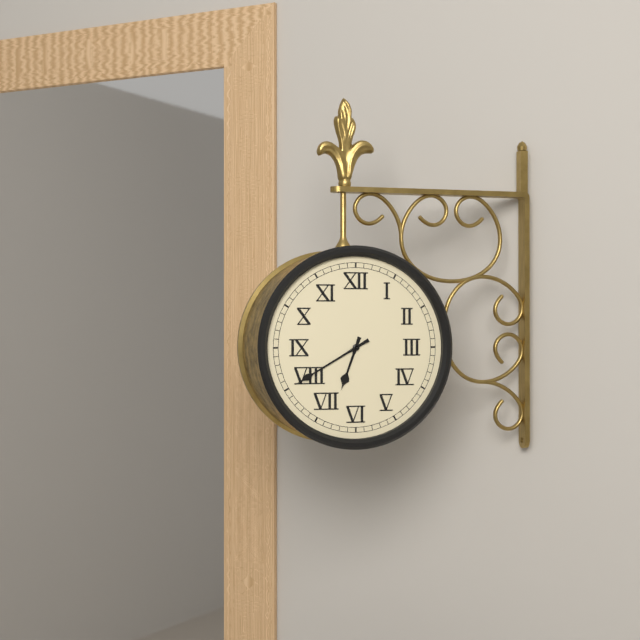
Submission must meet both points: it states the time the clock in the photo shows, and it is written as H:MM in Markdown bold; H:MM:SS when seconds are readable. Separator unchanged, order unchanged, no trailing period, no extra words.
**6:40**
